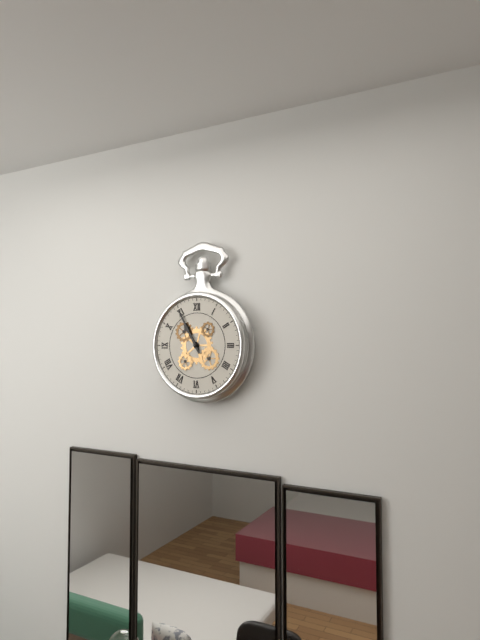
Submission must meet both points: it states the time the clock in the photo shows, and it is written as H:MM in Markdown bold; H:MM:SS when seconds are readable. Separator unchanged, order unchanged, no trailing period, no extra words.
**10:55**
